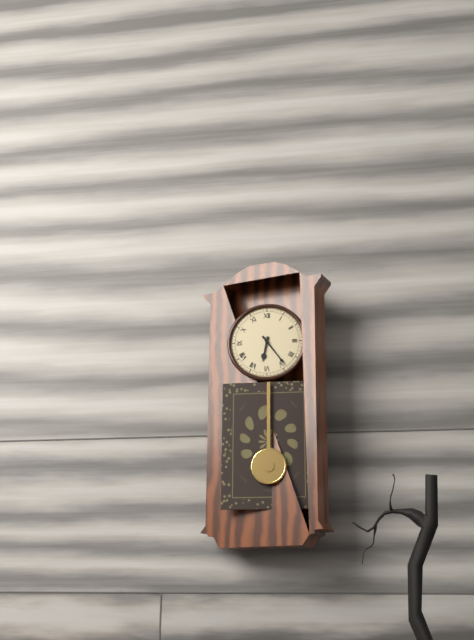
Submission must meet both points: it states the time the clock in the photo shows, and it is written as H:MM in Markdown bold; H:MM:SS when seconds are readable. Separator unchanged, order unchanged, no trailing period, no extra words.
**6:24**
